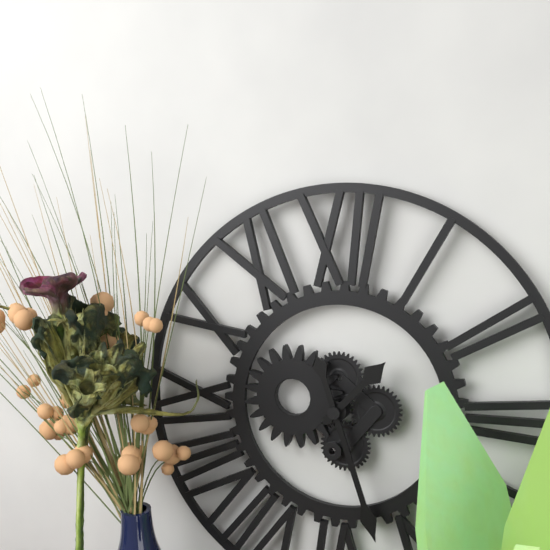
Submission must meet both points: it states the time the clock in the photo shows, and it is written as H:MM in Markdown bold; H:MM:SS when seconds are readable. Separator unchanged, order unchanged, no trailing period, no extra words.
**1:27**
